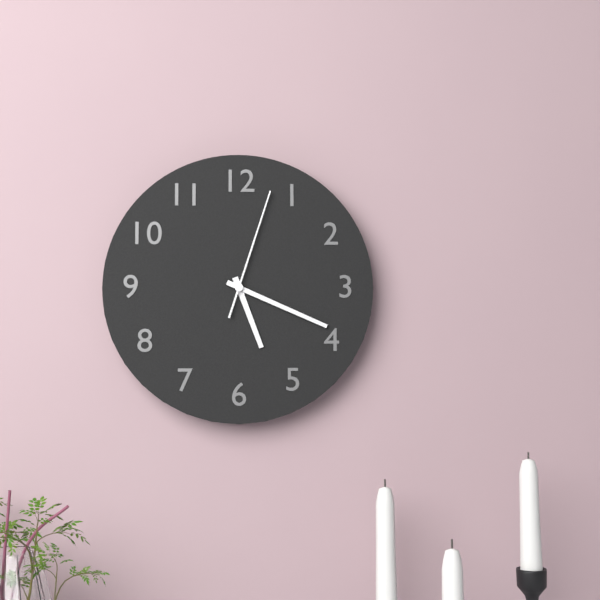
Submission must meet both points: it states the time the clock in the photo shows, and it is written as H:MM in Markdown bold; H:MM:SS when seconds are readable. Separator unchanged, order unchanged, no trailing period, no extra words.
**5:19:03**
